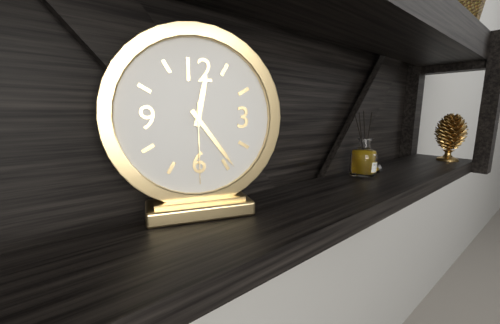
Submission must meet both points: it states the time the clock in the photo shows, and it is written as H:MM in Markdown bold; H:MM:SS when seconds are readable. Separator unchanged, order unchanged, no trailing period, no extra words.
**12:24:30**
